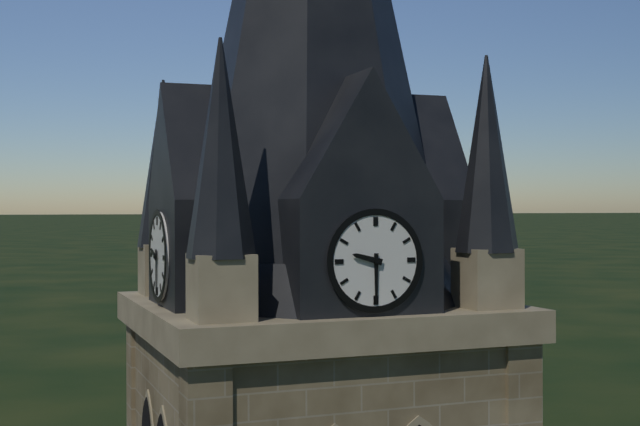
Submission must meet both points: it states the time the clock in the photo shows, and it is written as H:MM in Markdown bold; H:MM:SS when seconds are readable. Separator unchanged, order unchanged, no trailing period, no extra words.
**9:30**
